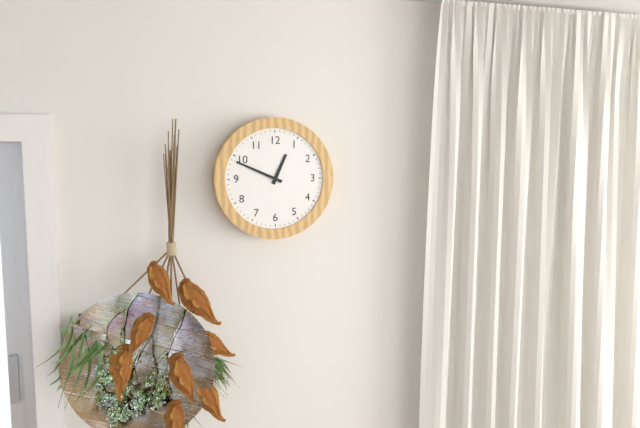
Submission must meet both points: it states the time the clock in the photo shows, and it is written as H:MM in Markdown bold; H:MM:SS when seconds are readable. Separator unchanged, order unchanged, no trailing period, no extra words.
**12:49**
